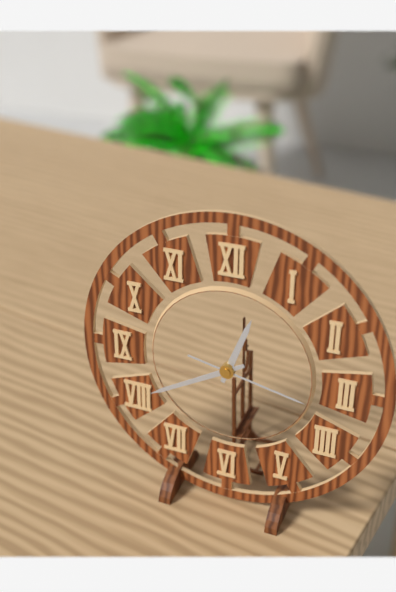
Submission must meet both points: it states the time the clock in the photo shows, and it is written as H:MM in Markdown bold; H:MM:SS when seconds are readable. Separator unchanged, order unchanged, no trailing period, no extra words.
**12:40:17**
